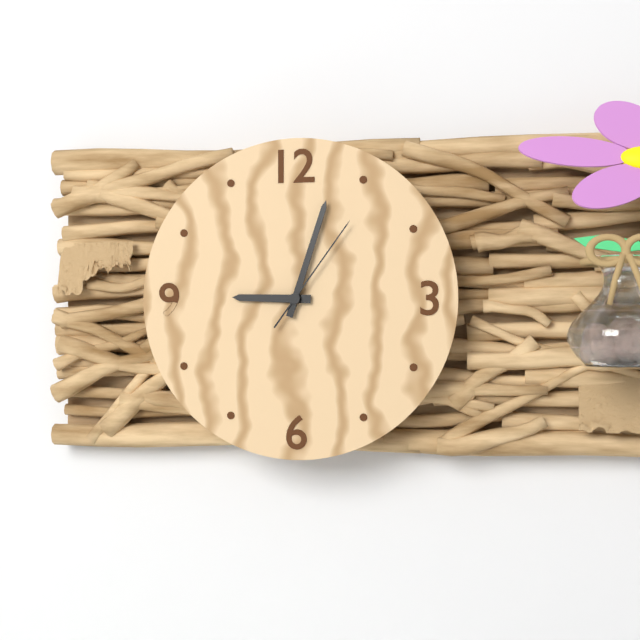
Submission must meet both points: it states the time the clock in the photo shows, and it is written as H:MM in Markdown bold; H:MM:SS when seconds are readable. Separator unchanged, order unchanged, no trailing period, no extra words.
**9:03:06**
